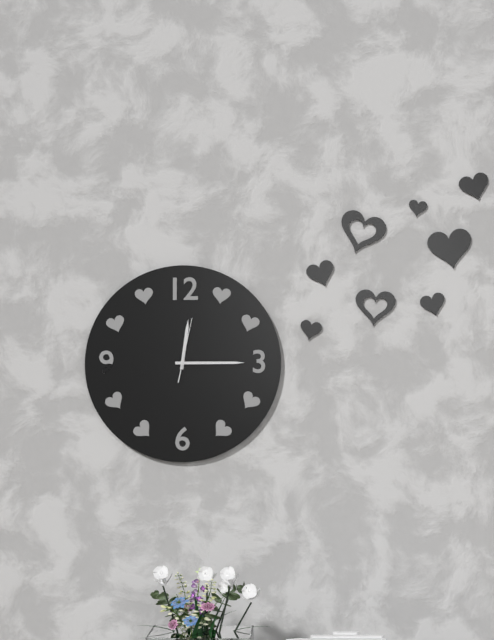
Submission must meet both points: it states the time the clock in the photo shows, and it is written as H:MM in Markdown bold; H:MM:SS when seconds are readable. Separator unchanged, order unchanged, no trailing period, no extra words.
**12:15:02**
